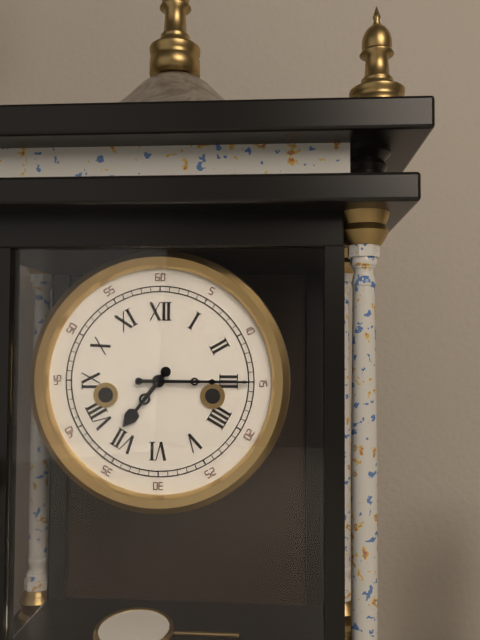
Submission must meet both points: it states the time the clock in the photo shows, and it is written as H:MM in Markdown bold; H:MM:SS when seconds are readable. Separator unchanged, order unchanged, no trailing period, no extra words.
**7:15**
